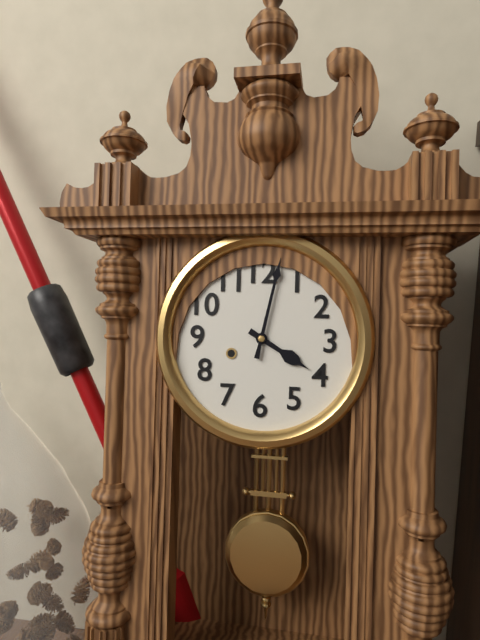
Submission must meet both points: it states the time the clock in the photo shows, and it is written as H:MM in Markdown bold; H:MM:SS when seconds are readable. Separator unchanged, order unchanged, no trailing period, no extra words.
**4:02**
